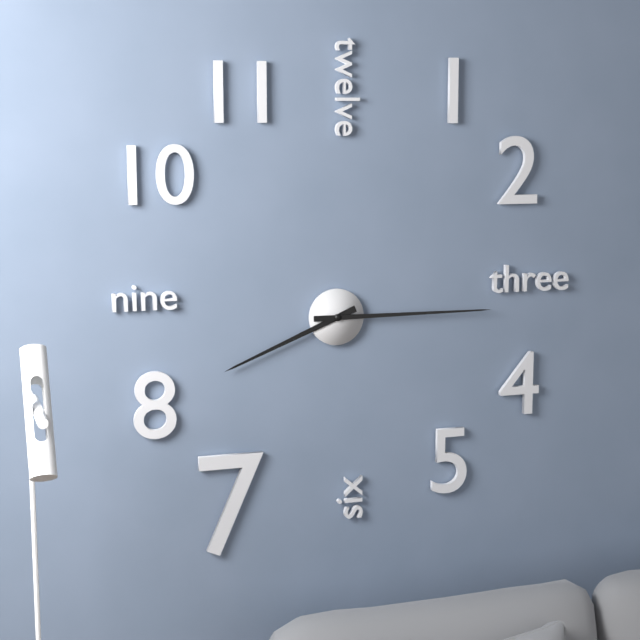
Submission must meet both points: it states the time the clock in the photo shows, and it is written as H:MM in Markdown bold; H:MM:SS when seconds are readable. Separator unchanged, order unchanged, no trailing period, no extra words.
**8:15**
